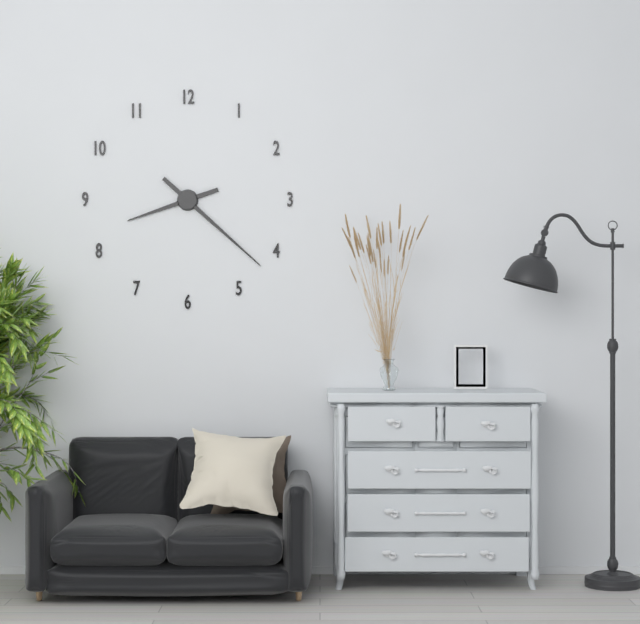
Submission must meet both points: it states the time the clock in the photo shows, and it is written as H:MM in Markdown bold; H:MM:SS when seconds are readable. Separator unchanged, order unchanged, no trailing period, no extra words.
**8:22**
